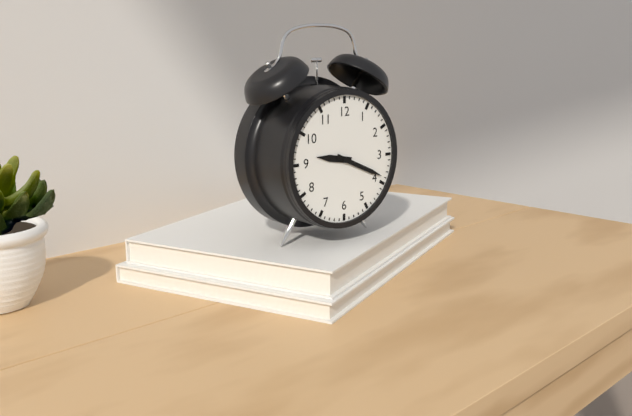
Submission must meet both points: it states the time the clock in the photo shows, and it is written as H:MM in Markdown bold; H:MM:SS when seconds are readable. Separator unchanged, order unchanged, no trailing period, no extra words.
**9:19**
